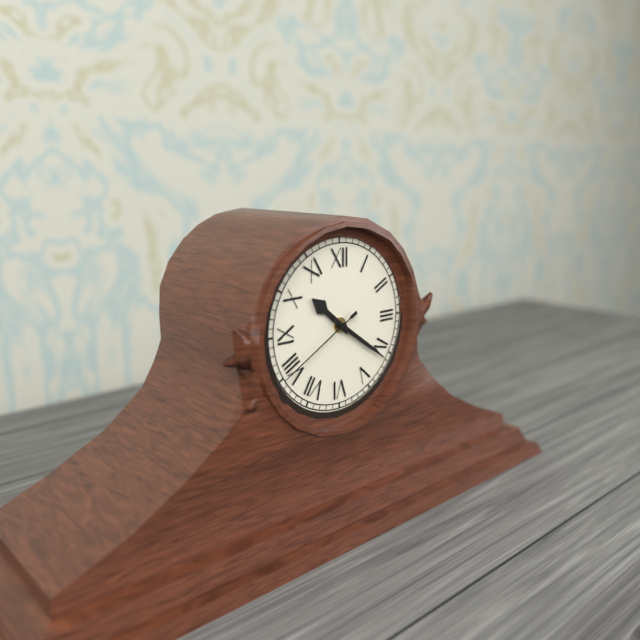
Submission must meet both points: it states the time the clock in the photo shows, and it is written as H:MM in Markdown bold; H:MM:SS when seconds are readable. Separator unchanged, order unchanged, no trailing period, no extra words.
**10:21:40**
